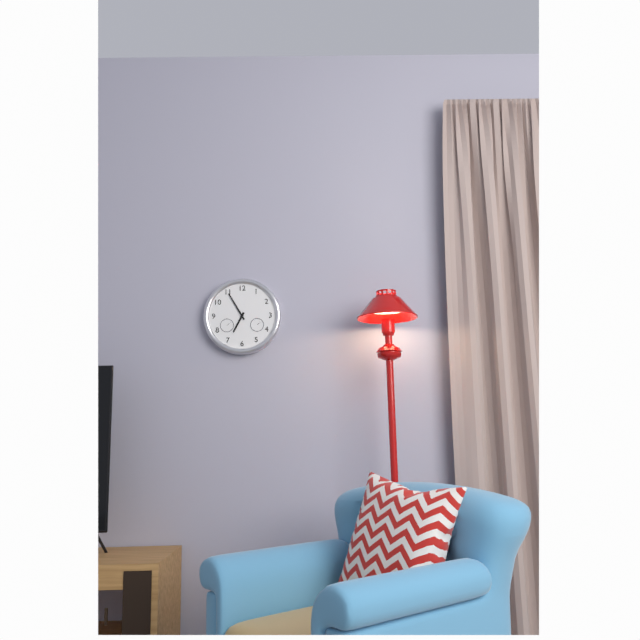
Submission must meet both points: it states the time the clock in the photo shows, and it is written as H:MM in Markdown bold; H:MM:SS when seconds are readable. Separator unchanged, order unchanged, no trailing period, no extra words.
**6:55**
